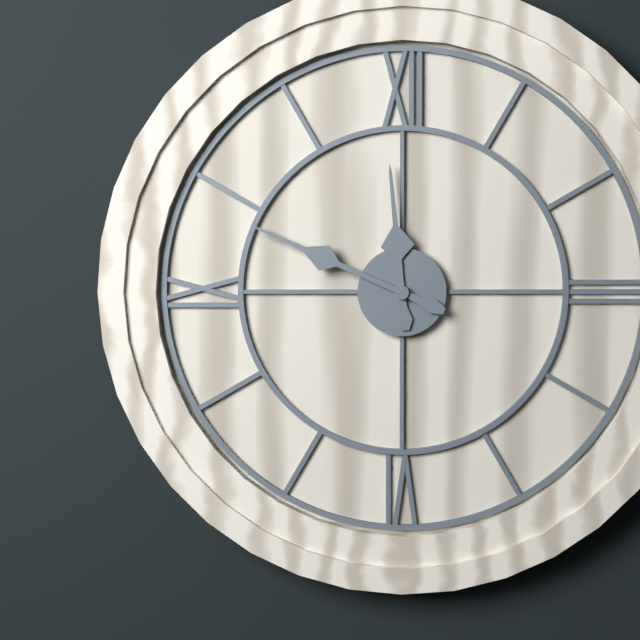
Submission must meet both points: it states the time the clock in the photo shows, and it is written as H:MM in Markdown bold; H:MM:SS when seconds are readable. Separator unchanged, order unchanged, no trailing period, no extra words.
**11:49**
